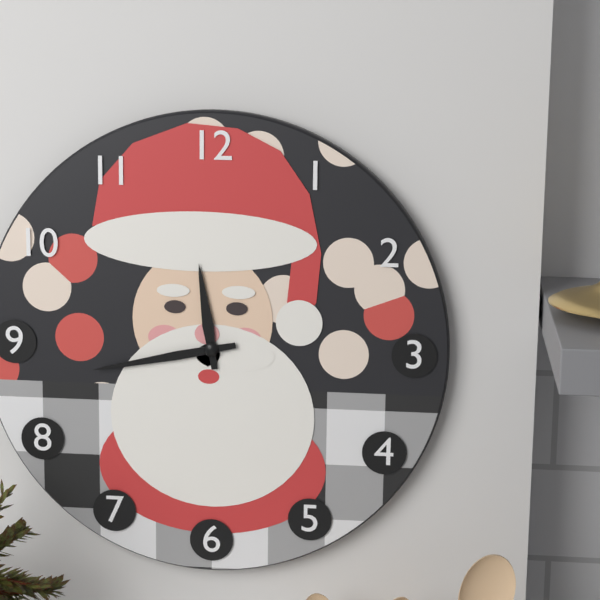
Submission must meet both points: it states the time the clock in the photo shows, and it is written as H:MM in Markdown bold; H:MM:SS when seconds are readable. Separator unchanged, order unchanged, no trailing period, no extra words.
**11:43**
